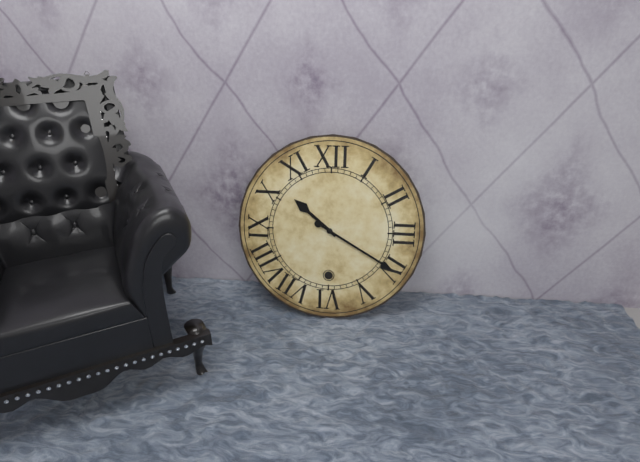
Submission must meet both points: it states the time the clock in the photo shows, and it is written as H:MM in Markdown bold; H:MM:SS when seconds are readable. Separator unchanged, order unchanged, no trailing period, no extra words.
**10:20**
